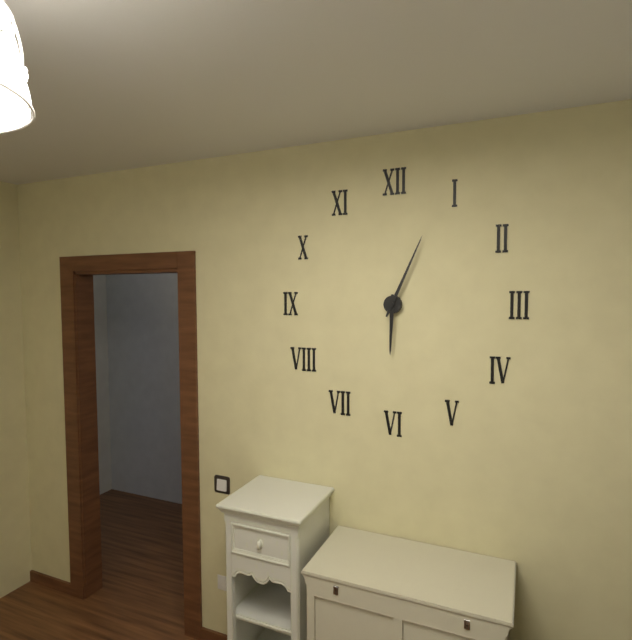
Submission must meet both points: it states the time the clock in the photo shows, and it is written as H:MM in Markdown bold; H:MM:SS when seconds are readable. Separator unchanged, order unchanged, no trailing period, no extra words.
**6:04**
